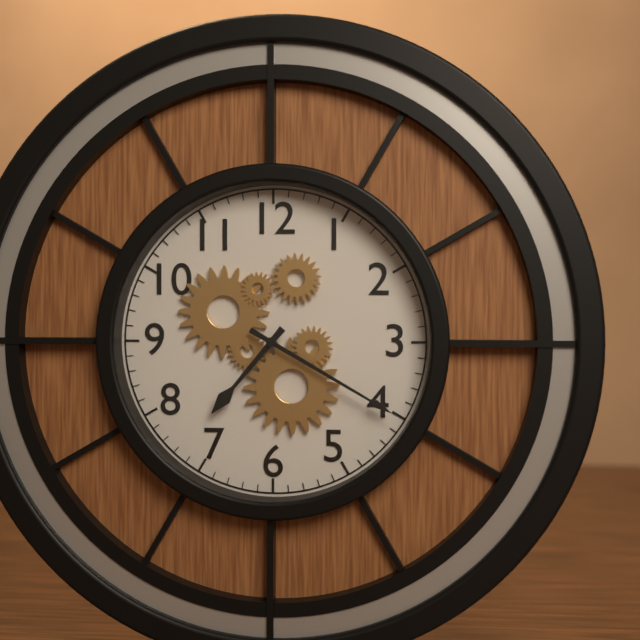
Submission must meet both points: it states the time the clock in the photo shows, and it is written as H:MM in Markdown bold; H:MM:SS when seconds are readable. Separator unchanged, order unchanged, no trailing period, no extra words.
**7:20**
